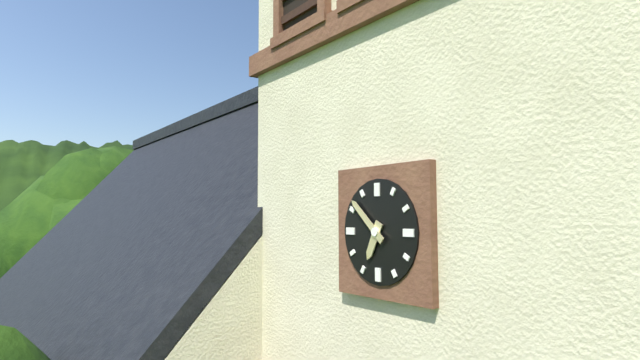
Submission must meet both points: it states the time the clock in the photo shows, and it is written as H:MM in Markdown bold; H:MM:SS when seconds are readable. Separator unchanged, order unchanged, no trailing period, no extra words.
**6:52**
